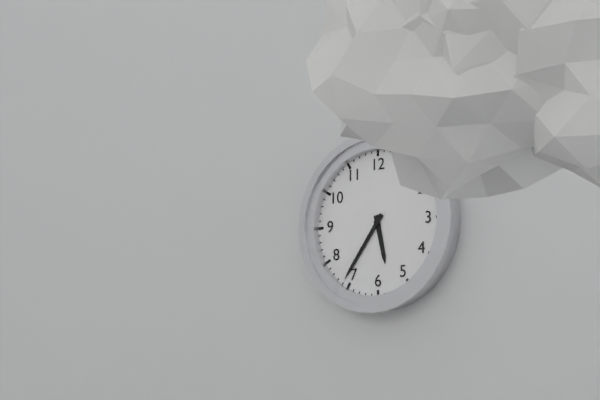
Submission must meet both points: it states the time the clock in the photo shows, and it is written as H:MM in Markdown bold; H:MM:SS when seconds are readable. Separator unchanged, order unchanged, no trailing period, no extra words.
**5:36**
